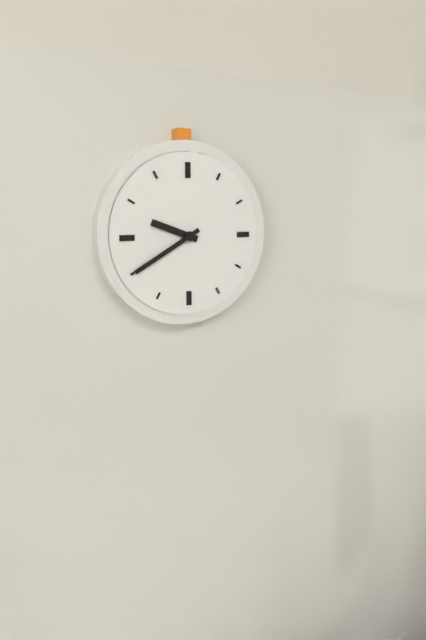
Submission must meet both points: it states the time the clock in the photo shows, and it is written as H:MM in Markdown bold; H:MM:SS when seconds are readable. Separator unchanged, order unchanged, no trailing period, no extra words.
**9:40**
